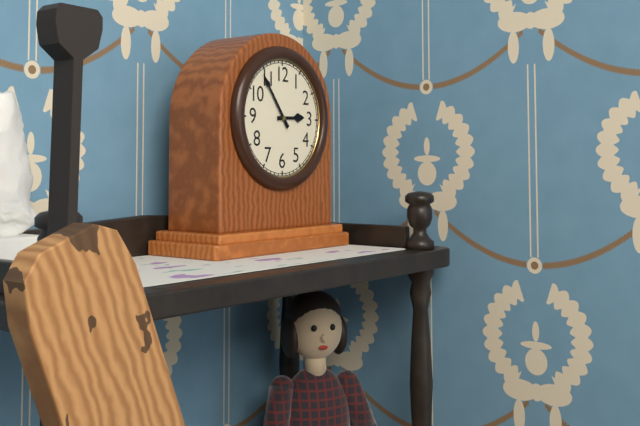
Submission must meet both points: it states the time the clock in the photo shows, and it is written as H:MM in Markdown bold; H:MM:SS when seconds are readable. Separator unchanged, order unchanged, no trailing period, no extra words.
**2:54**
